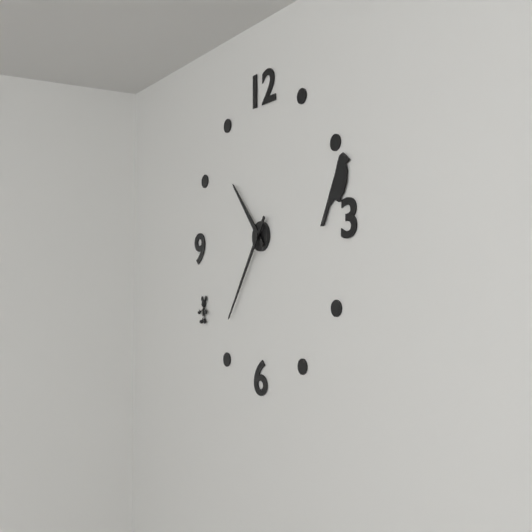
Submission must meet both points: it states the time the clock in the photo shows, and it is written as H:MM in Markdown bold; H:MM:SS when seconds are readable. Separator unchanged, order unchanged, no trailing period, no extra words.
**10:36**
